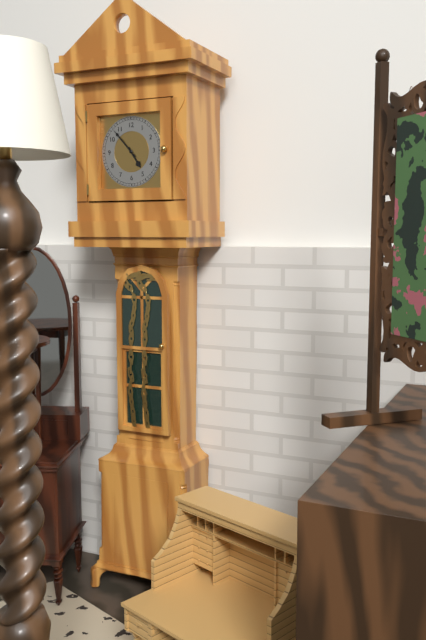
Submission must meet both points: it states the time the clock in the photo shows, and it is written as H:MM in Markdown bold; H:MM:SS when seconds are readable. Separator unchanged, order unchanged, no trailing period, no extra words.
**4:53**
